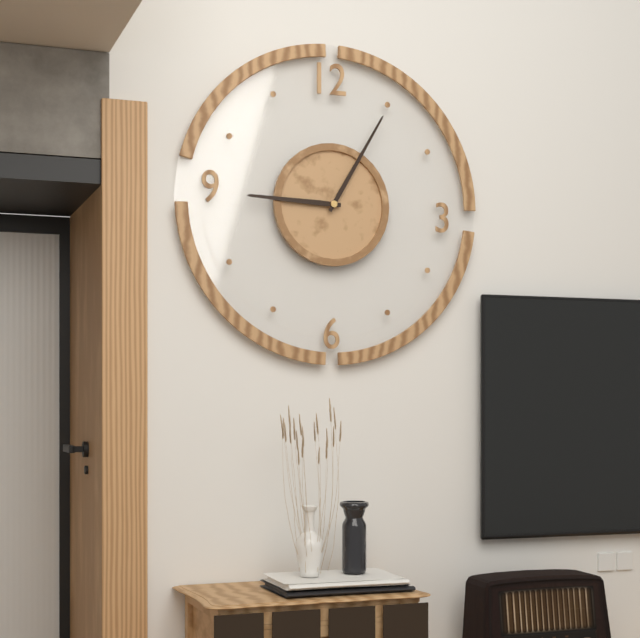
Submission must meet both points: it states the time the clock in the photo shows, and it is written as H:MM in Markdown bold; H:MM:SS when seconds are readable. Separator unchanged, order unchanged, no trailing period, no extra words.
**9:05**
